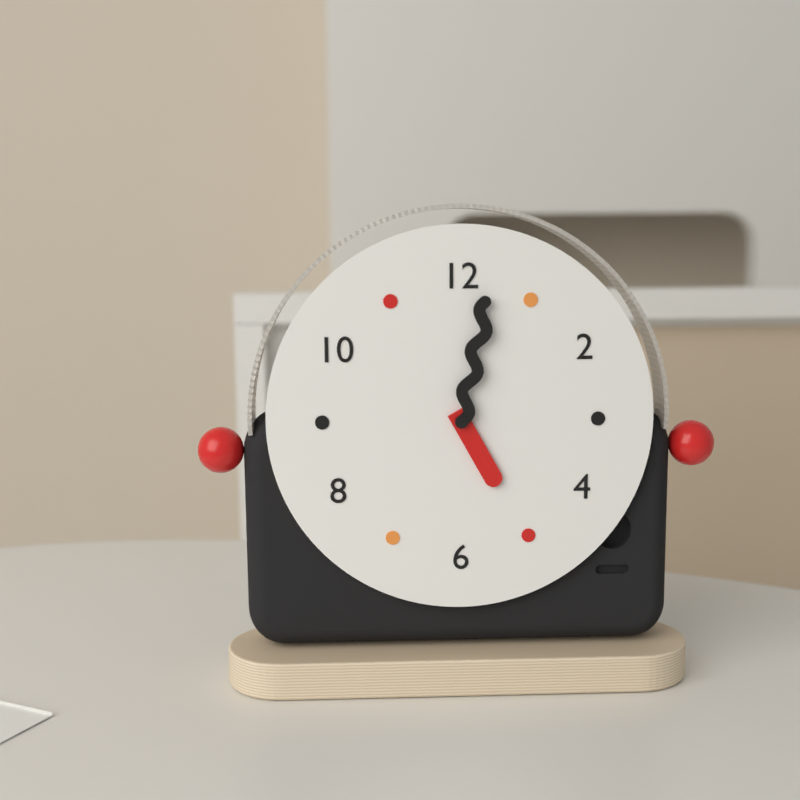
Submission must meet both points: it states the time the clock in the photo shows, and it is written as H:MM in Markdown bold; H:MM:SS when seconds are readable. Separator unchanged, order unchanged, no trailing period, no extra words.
**5:02**
